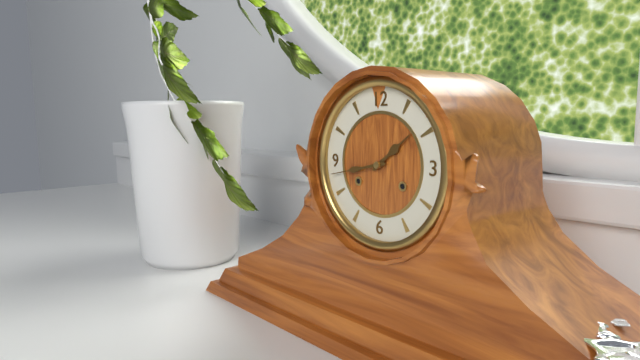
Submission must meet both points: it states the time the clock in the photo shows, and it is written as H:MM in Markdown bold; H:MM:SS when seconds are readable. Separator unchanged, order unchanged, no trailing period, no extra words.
**1:43**
